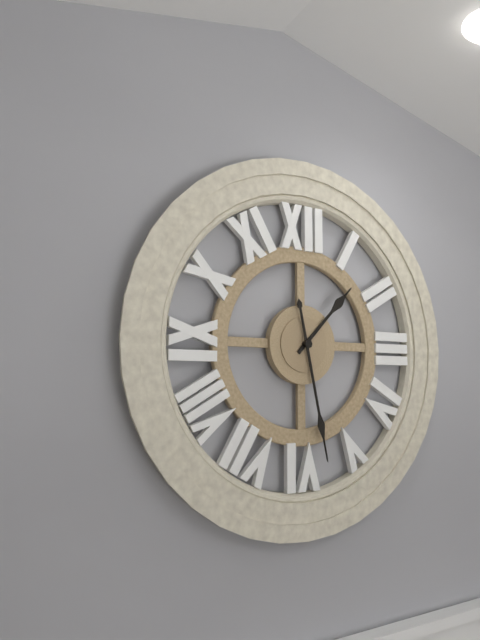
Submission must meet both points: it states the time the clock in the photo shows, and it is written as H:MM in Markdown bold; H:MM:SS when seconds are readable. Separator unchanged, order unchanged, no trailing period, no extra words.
**1:28**
